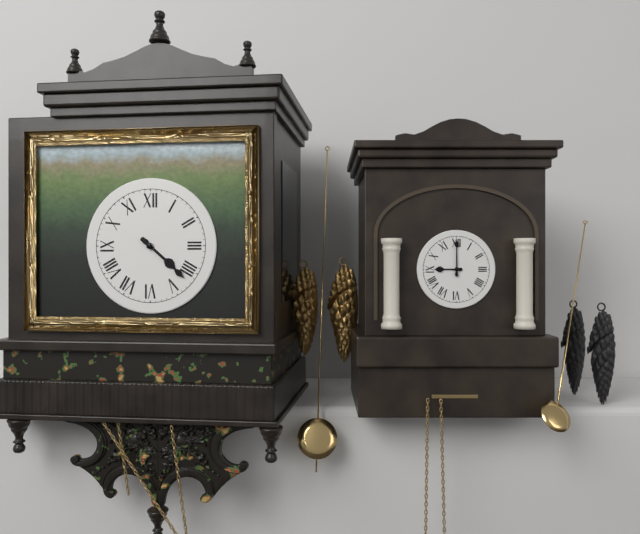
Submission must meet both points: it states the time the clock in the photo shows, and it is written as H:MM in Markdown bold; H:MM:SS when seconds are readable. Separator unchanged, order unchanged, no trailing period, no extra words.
**4:22**
